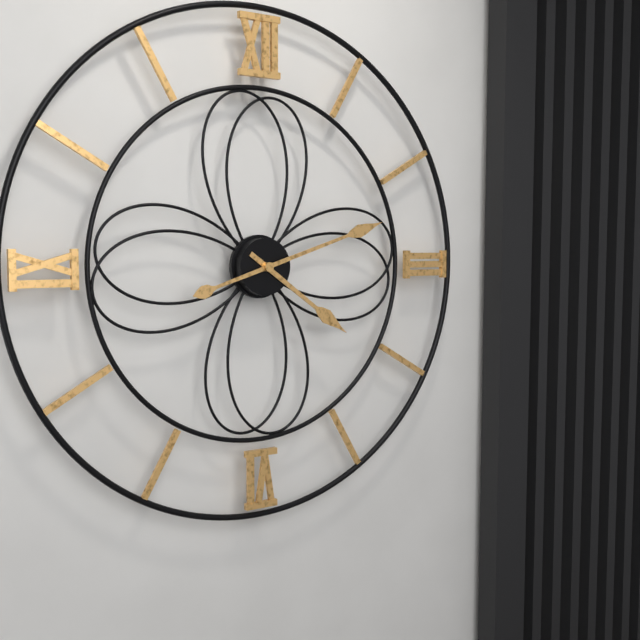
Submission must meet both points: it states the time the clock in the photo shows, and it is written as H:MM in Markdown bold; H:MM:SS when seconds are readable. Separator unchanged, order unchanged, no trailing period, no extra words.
**4:12**
